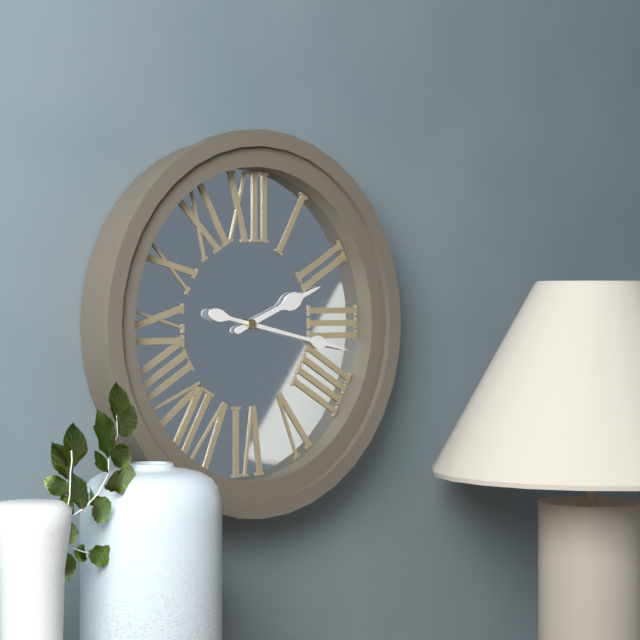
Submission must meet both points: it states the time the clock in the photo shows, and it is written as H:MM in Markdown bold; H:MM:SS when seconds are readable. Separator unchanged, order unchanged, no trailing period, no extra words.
**2:17**
